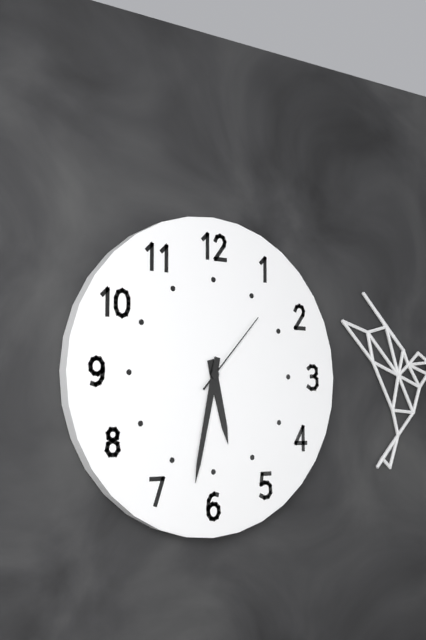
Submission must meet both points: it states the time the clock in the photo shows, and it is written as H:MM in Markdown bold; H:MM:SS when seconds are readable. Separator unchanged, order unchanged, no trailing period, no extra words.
**5:32:07**
